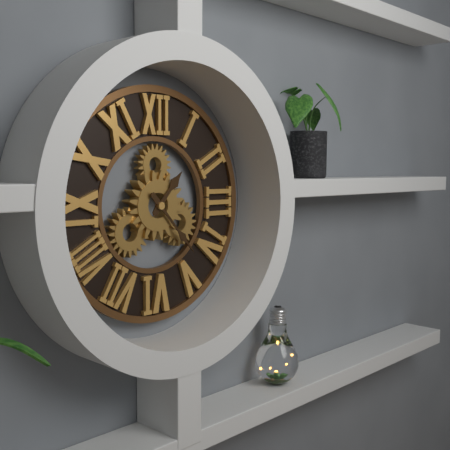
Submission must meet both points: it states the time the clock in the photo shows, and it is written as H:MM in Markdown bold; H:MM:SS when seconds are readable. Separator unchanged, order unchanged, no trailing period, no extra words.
**1:23**
